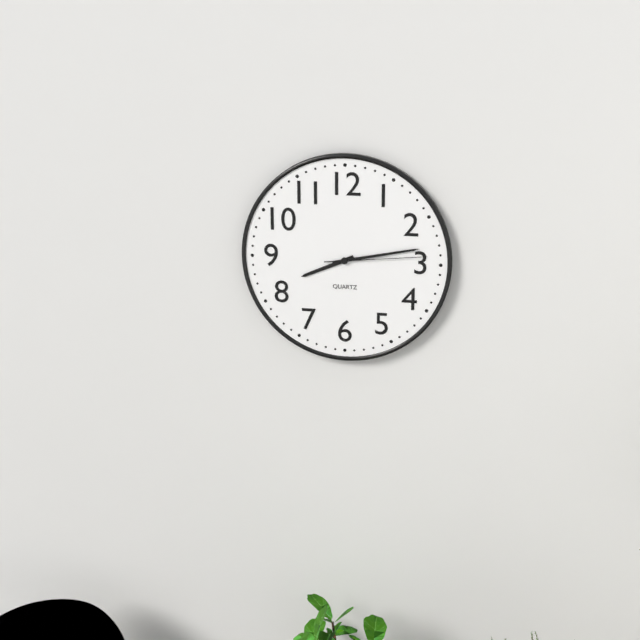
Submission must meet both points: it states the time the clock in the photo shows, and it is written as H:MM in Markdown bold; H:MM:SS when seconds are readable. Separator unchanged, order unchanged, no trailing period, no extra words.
**8:13:14**
